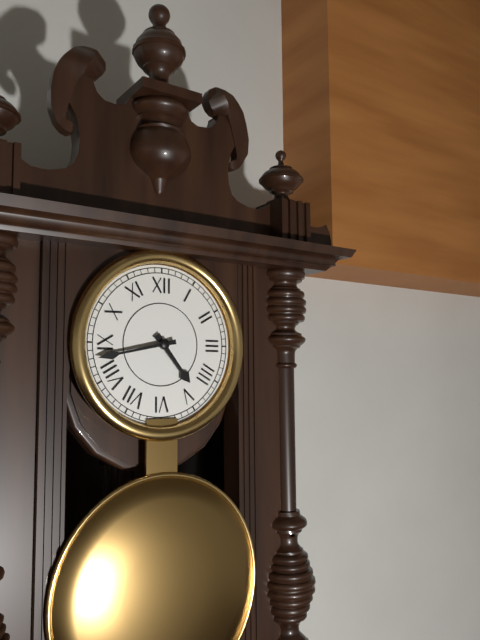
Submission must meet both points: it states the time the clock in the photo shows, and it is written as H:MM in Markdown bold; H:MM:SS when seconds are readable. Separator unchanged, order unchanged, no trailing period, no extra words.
**4:43**
